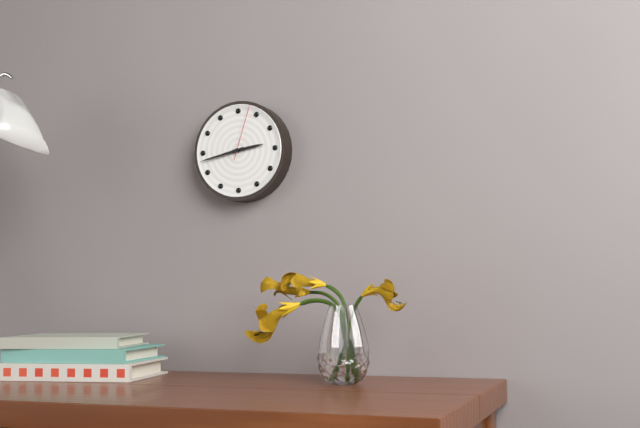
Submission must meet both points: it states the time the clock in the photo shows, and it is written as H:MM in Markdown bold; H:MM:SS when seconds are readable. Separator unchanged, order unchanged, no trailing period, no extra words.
**2:43:03**
